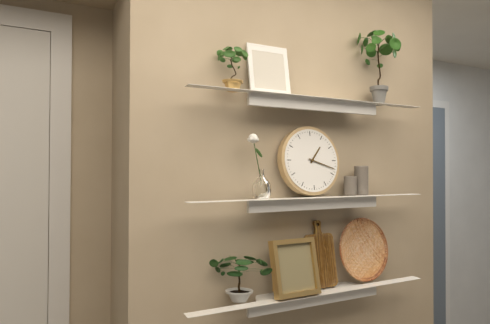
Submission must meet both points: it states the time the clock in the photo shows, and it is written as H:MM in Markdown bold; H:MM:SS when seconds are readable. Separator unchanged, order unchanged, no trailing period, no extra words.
**1:18**
